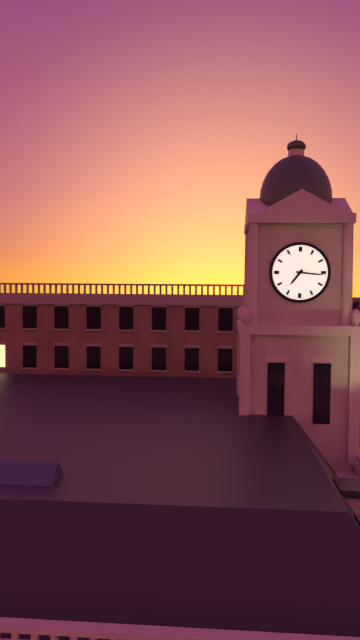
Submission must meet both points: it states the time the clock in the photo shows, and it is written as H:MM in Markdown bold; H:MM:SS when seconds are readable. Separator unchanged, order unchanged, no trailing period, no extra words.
**7:16**
